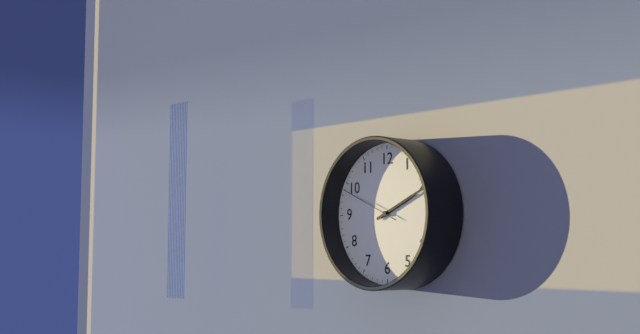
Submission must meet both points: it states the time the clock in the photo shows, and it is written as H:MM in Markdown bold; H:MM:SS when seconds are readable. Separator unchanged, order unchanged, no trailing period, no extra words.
**2:11:49**
